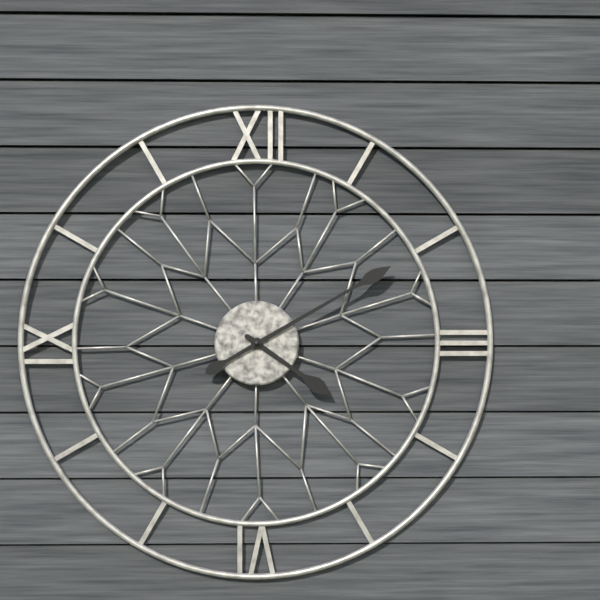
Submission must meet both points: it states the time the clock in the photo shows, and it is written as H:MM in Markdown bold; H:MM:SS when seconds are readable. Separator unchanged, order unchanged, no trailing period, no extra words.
**4:10**
